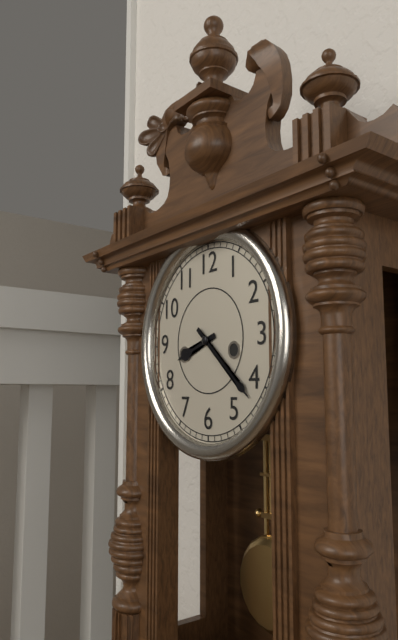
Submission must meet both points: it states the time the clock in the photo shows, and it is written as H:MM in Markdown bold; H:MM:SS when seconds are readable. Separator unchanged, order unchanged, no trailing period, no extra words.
**8:22**
